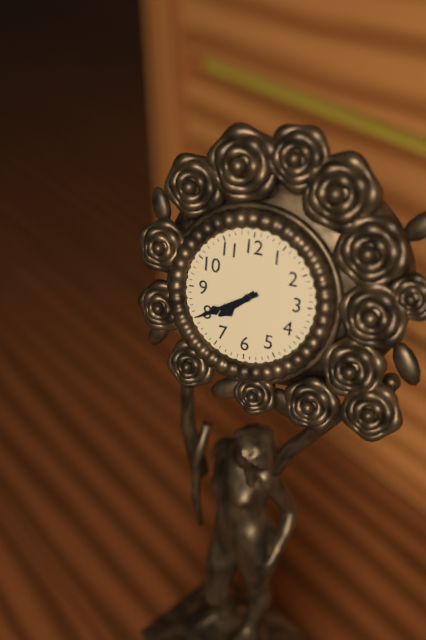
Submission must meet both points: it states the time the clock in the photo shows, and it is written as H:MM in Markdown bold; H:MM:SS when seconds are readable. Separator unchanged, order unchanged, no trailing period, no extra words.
**7:40**
